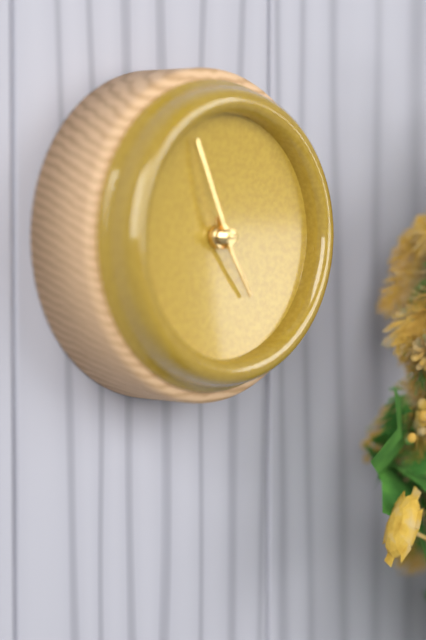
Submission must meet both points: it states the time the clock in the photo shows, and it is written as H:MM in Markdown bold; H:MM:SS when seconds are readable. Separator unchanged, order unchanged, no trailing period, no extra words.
**4:56**
